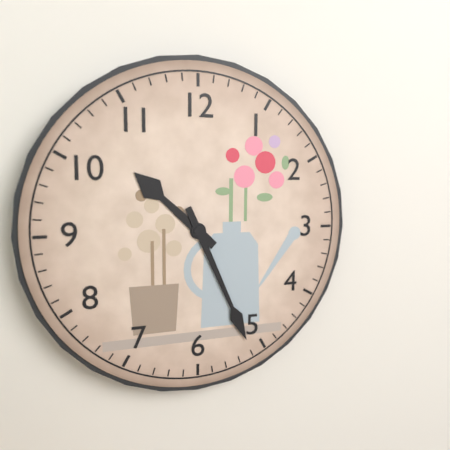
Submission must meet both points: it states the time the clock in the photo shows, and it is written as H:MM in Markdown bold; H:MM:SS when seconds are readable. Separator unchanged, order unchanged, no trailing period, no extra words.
**10:26**
